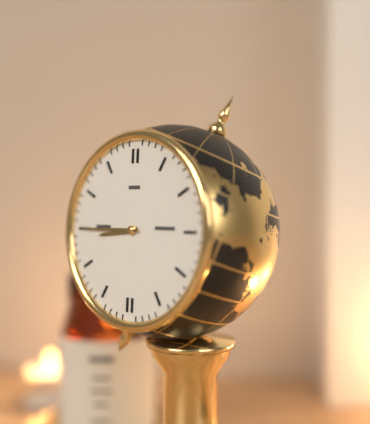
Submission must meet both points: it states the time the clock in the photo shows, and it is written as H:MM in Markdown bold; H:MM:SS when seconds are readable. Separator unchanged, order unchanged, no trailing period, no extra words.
**8:45**
